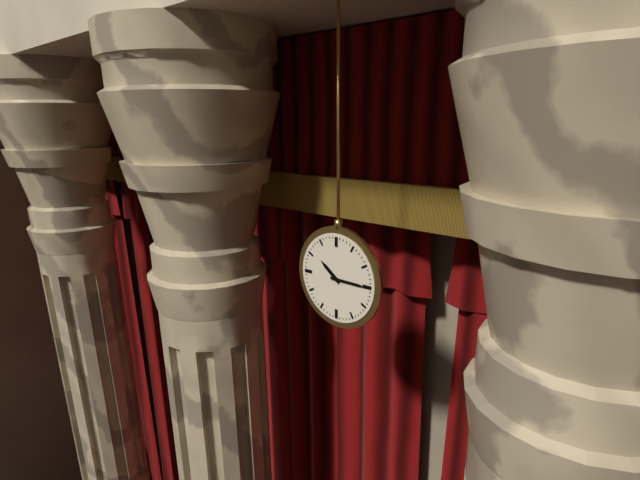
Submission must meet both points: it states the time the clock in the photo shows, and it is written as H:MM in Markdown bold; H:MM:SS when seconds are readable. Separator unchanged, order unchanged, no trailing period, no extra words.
**10:15**
